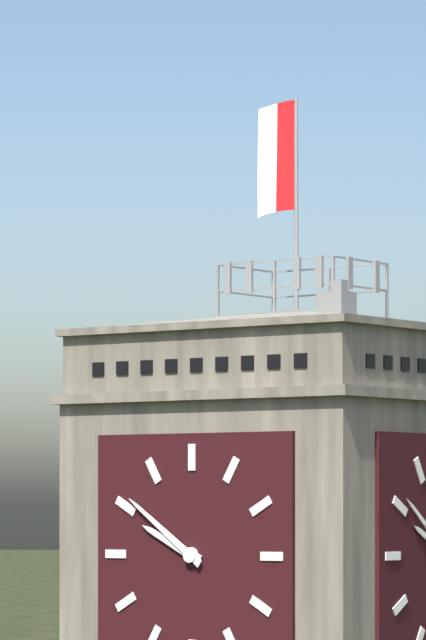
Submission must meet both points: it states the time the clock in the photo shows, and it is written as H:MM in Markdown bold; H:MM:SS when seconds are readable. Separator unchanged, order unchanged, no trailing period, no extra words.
**9:51**
